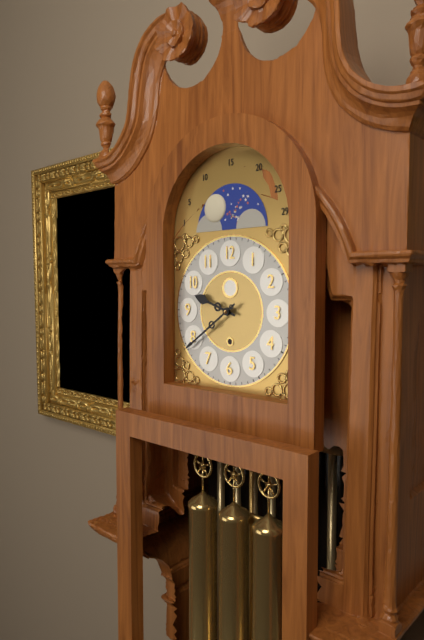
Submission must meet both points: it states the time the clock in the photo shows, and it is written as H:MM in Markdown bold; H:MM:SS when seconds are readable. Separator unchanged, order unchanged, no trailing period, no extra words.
**9:39**
